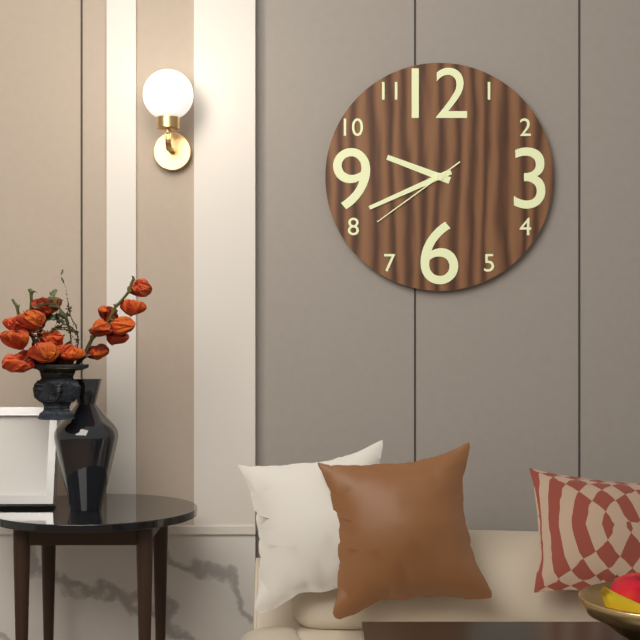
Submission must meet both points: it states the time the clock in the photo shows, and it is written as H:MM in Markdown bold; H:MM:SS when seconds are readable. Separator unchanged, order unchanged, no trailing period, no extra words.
**9:41:39**
